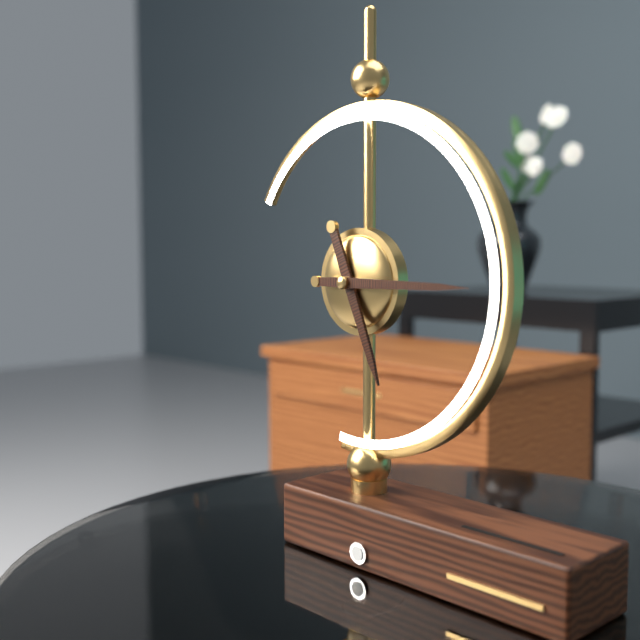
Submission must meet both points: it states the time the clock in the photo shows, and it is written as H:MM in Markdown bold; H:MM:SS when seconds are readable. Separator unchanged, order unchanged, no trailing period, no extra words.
**5:15**
